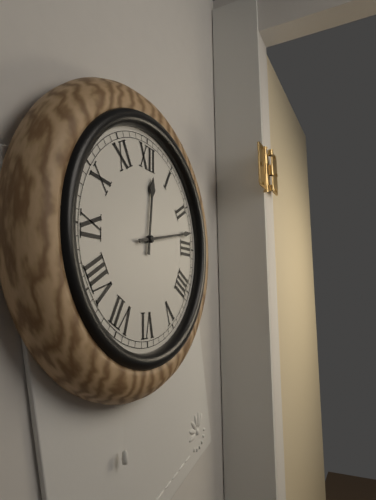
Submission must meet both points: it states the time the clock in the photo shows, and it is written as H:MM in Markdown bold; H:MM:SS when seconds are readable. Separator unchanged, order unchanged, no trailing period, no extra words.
**12:13**
